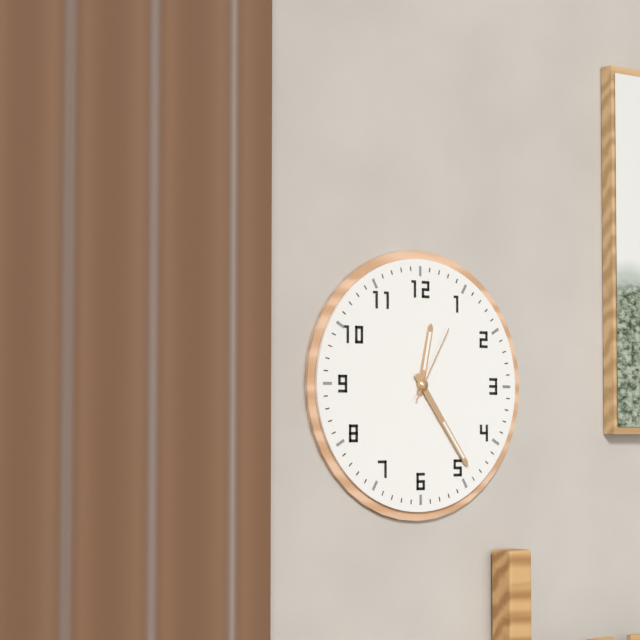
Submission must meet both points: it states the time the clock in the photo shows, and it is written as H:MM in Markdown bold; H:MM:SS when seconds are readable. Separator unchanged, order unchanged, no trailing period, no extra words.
**12:24:05**
